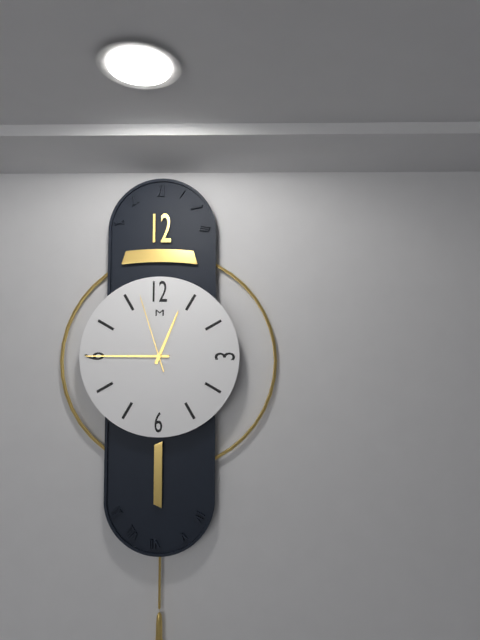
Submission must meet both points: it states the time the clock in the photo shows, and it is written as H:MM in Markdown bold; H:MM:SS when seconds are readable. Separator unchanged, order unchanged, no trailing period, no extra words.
**12:45:57**
